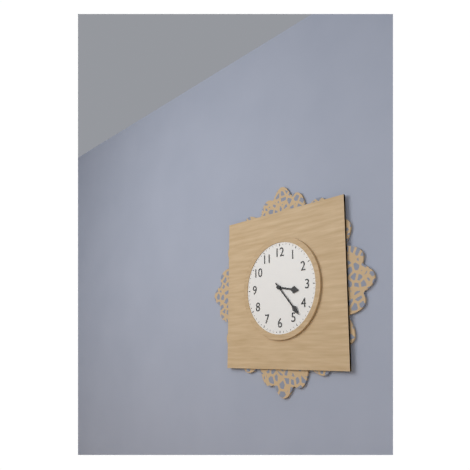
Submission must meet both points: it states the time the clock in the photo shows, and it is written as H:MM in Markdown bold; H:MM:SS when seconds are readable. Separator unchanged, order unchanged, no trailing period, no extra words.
**3:23**
